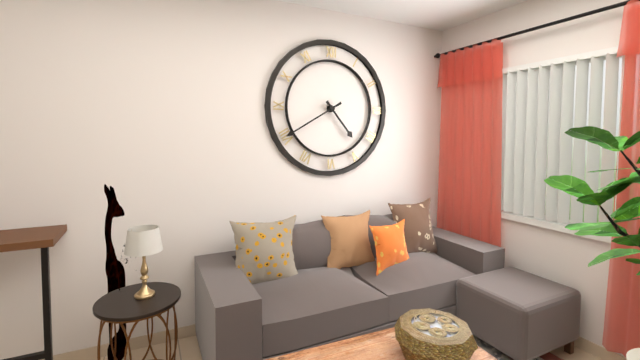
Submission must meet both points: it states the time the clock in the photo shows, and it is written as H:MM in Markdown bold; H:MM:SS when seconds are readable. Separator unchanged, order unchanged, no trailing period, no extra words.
**4:40**
